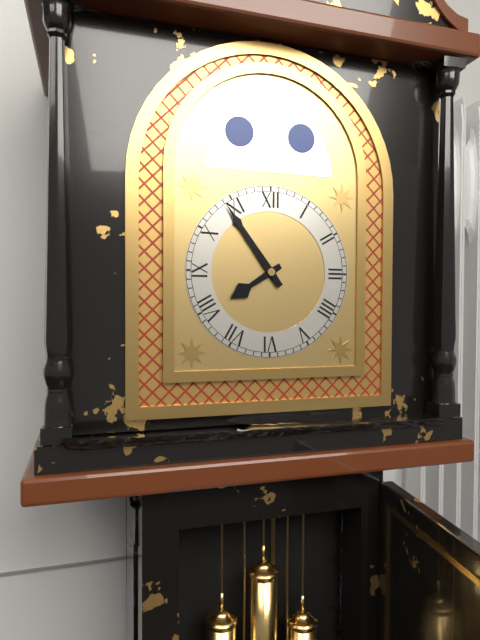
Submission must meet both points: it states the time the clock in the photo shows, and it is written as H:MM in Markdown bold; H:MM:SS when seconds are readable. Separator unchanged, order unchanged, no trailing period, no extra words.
**7:54**
